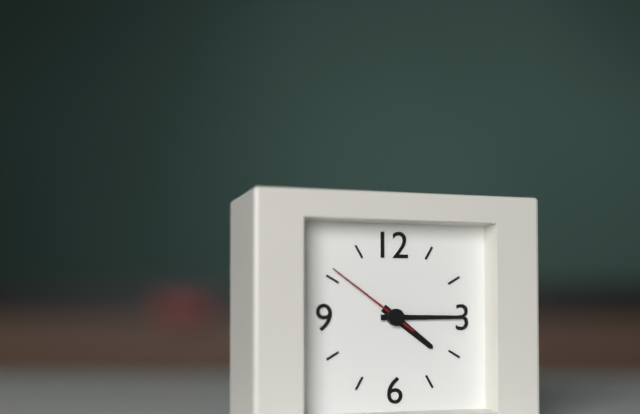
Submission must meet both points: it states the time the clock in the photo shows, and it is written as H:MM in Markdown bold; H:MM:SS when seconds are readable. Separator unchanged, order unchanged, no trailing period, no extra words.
**4:15:51**
